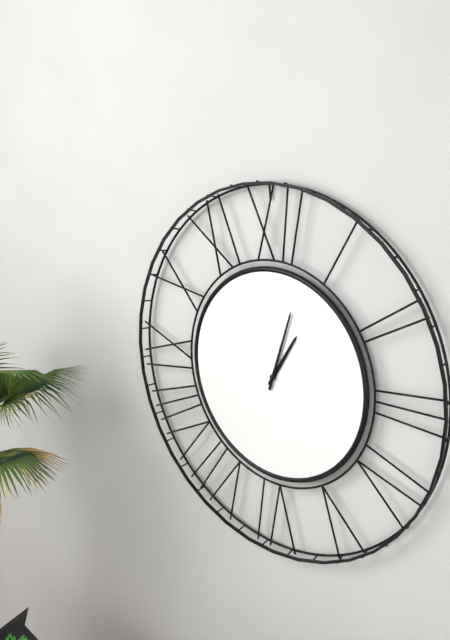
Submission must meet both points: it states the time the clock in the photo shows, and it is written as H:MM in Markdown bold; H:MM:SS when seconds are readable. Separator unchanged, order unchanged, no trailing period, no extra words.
**1:03**
